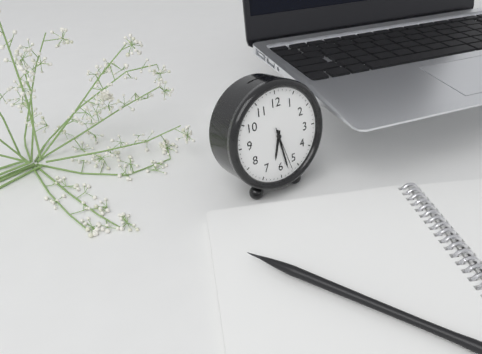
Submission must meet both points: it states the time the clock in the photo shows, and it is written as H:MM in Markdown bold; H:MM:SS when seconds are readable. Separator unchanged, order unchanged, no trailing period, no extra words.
**6:28**
